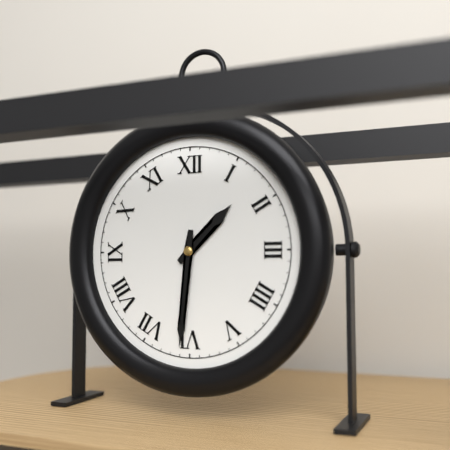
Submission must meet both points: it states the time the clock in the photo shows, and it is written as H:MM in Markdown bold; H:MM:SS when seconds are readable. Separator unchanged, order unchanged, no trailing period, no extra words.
**1:31**
